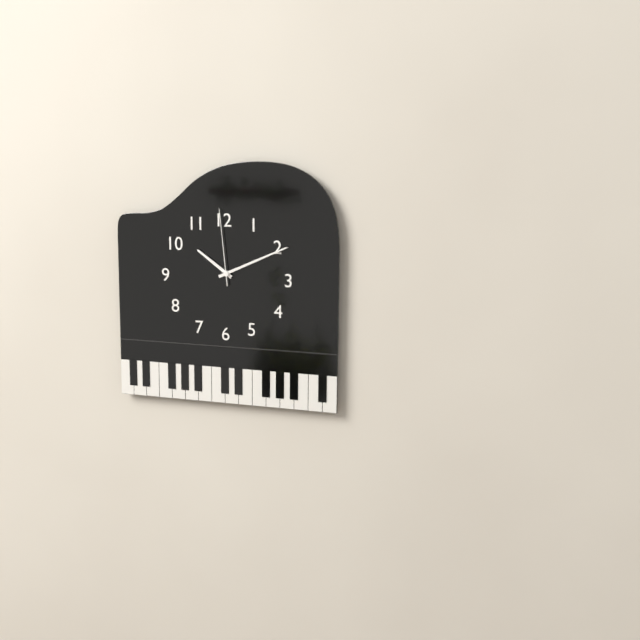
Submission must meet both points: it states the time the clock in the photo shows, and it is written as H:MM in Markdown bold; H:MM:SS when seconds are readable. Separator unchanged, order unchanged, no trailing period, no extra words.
**10:11:59**
